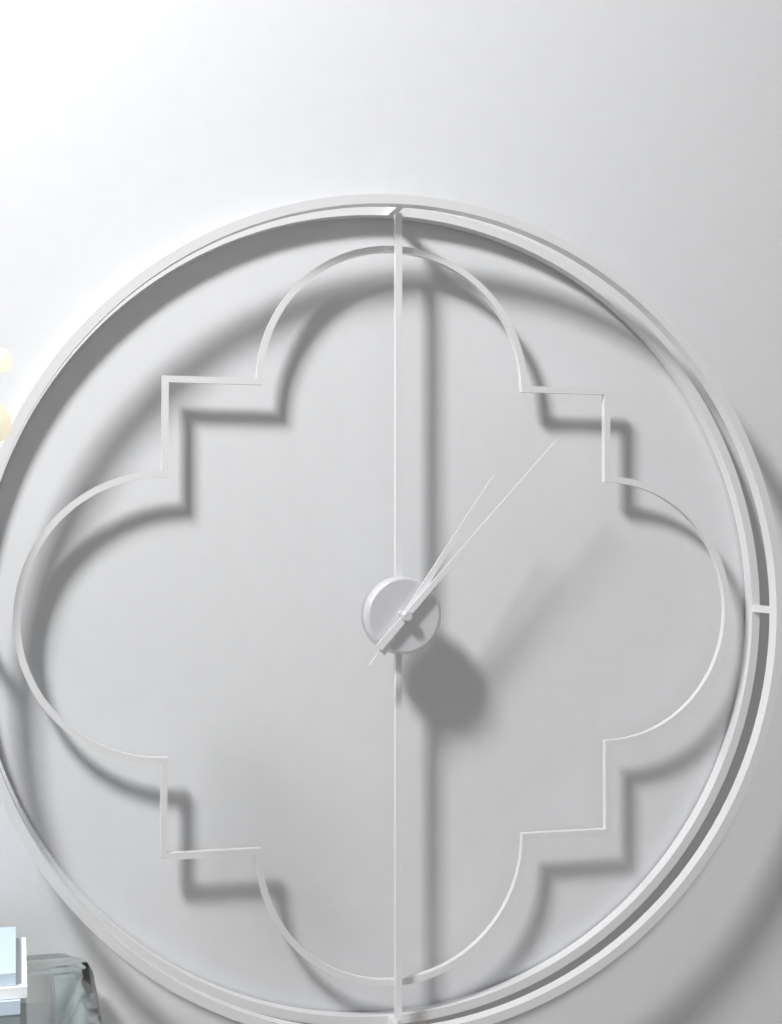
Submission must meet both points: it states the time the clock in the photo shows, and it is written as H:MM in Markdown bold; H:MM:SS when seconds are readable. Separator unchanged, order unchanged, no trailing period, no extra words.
**1:07**
